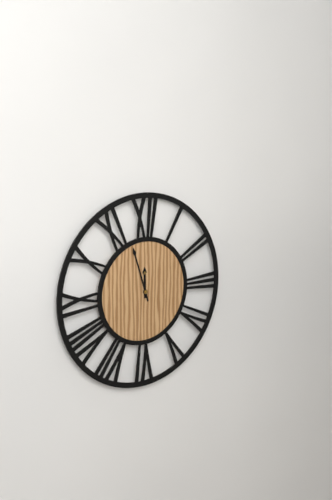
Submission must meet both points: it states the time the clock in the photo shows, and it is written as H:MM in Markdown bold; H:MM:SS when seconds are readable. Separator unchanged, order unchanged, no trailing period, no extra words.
**11:57**
